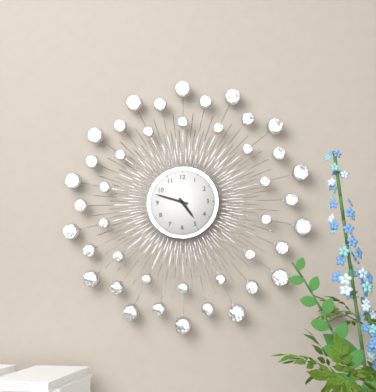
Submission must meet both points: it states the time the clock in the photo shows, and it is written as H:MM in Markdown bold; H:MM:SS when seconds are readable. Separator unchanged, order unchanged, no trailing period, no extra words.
**4:48**
